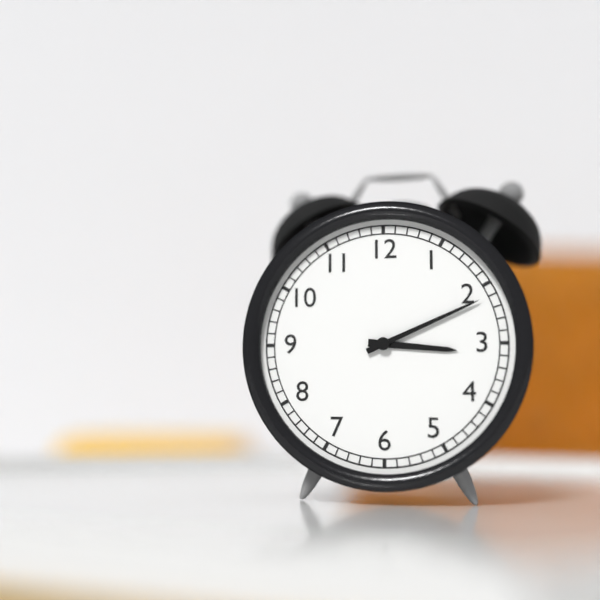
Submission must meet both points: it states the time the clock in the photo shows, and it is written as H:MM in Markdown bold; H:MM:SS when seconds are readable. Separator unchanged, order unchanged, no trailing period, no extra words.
**3:11**
